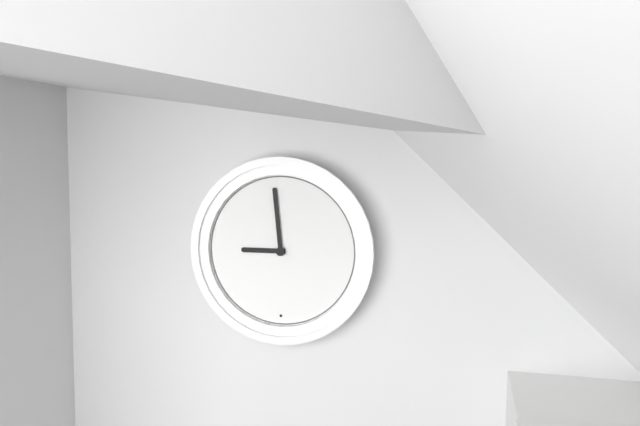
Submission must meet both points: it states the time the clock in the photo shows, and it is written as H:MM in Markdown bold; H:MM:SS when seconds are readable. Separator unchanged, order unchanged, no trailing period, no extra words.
**8:59**
